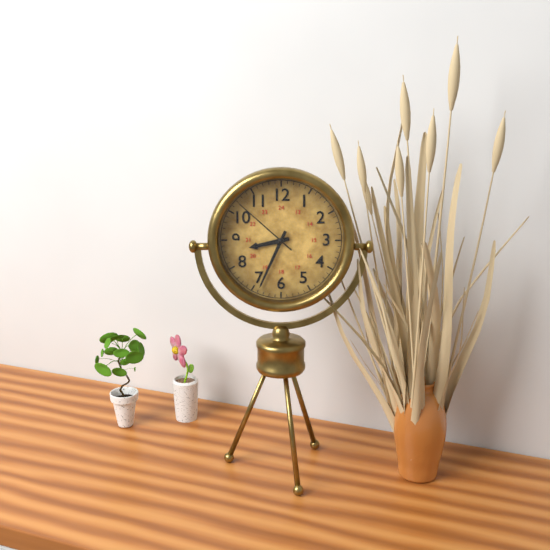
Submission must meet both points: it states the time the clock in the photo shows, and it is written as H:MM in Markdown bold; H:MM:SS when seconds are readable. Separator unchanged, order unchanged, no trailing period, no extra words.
**8:34:52**
